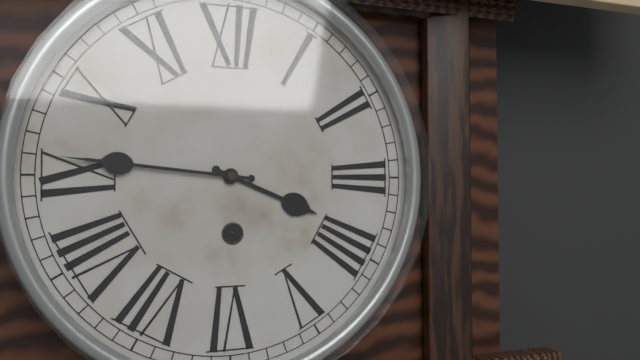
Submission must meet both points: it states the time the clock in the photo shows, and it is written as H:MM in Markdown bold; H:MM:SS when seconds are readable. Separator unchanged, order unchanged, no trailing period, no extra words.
**3:46**
